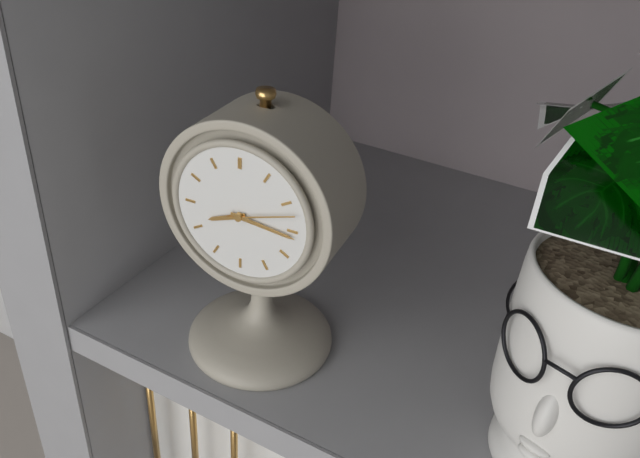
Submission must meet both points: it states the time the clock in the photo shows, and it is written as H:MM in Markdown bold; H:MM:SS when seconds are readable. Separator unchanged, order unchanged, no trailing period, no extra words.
**8:16:12**
